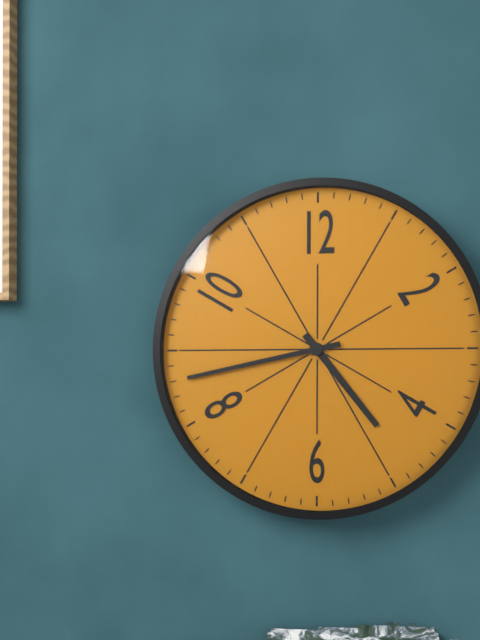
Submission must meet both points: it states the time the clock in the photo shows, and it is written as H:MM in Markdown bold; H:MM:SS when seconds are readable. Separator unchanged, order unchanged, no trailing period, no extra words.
**4:43**
